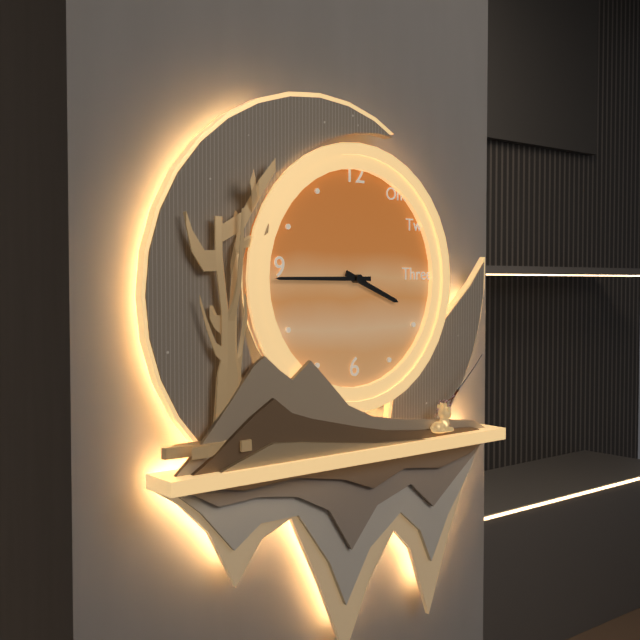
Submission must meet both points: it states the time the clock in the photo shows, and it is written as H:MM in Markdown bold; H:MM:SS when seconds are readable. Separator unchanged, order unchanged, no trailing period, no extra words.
**3:45**
